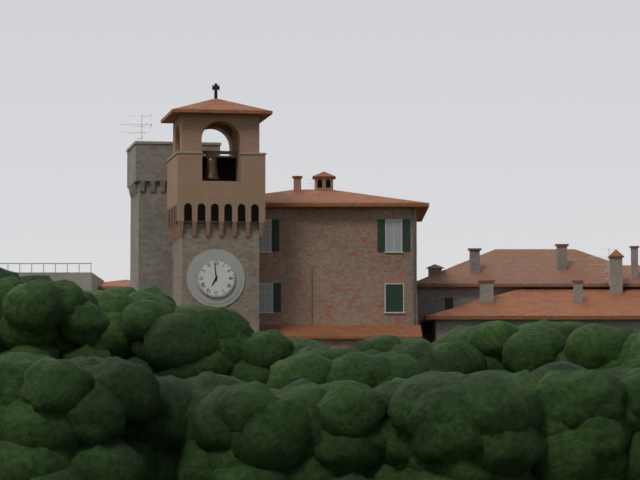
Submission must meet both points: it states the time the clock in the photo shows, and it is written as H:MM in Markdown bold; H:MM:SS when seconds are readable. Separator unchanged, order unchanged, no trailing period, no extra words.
**6:59**
